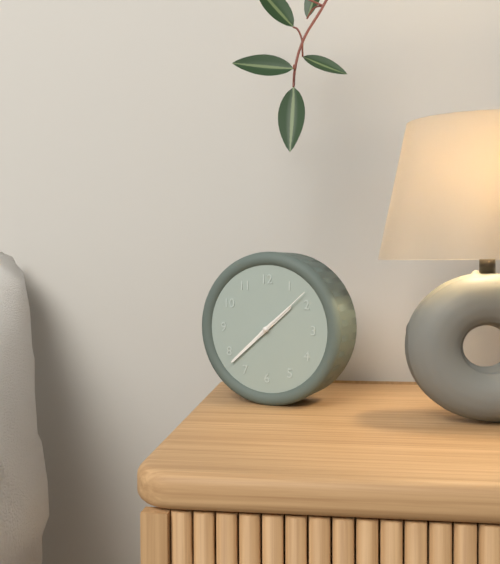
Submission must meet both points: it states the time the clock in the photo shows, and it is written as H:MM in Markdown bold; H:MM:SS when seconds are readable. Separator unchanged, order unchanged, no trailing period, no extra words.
**1:38:08**
